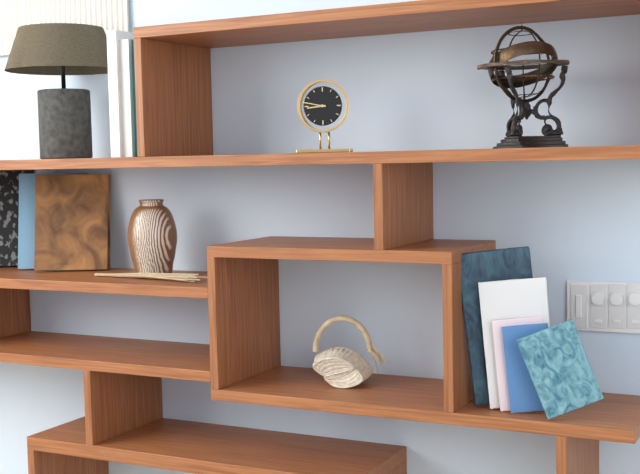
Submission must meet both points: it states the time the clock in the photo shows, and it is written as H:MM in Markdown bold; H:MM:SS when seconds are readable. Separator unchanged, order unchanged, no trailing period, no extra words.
**8:47**
